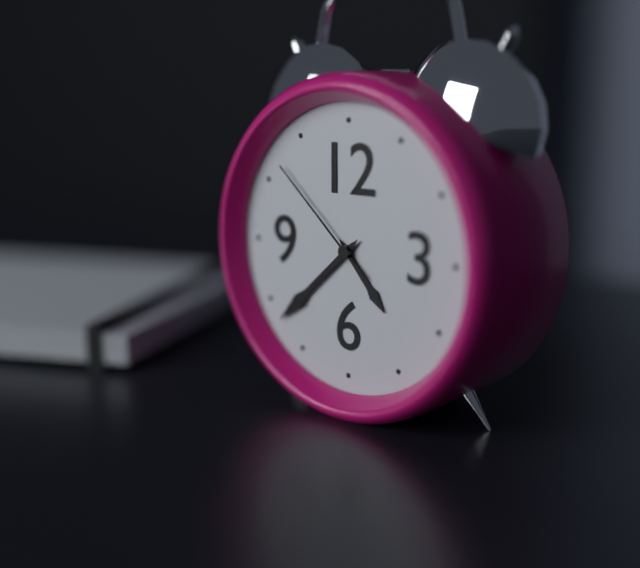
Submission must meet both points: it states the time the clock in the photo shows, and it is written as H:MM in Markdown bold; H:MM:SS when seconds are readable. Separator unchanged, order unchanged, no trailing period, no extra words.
**4:38:52**
